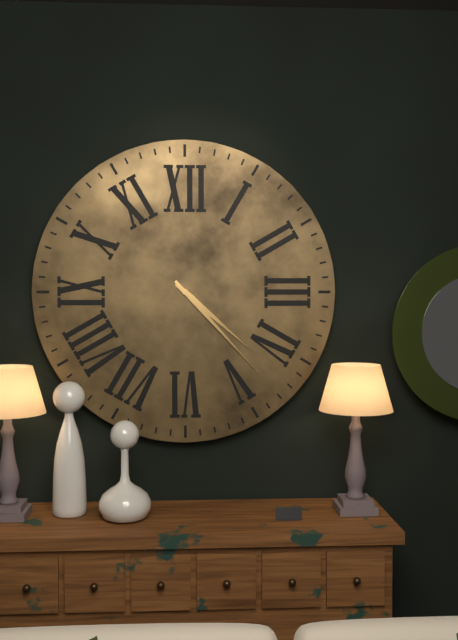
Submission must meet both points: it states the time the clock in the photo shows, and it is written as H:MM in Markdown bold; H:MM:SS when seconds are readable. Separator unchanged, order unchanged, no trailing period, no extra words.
**4:23**
